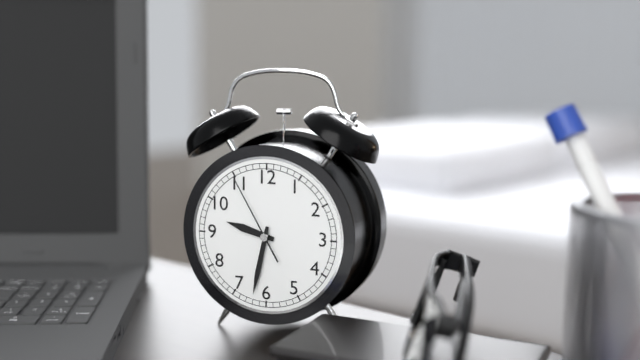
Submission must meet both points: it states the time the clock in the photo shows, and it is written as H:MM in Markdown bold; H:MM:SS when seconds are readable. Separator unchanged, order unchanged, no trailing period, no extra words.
**9:32:55**
